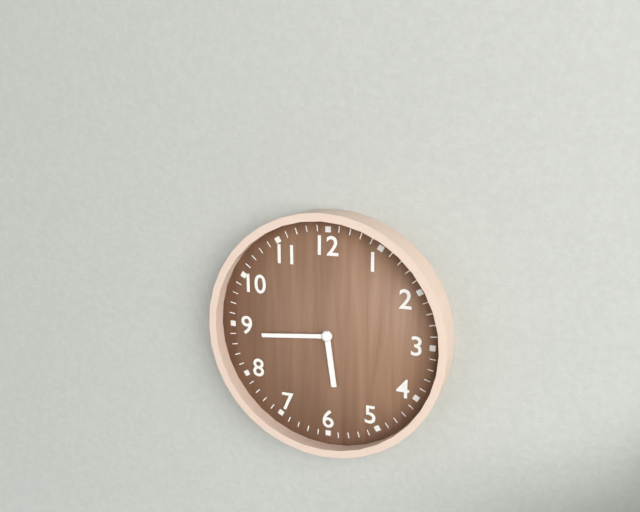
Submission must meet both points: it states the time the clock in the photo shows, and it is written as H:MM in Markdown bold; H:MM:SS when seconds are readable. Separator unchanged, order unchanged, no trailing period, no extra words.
**5:44**
